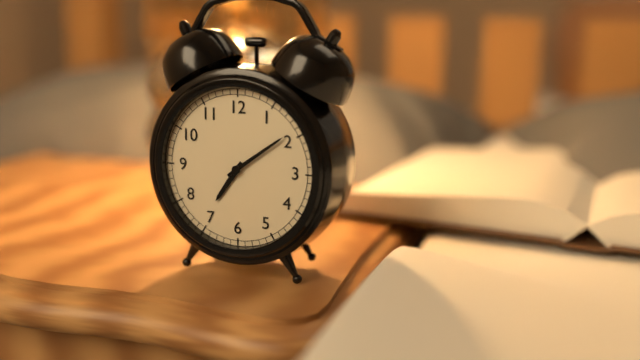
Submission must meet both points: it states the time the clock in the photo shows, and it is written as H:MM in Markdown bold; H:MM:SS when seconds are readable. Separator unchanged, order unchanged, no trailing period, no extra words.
**7:09**
